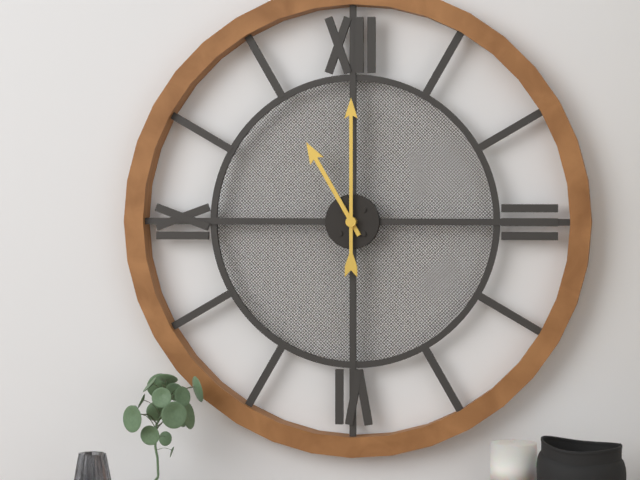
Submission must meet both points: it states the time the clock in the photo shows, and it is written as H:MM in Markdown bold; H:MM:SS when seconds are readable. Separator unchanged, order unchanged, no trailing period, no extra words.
**11:00**
